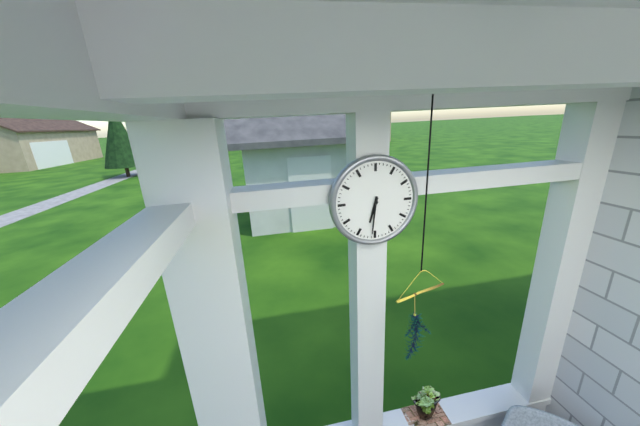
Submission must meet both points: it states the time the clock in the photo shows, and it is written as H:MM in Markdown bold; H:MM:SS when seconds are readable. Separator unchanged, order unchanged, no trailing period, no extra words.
**6:31**
